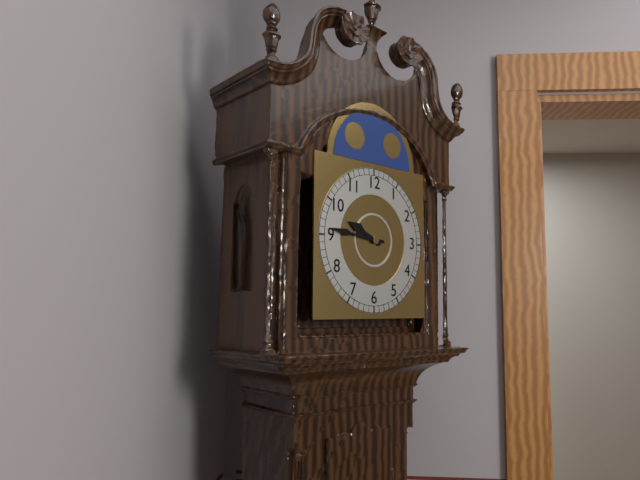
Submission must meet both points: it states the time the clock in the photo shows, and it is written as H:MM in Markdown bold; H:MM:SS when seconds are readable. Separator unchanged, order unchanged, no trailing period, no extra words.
**9:46**
